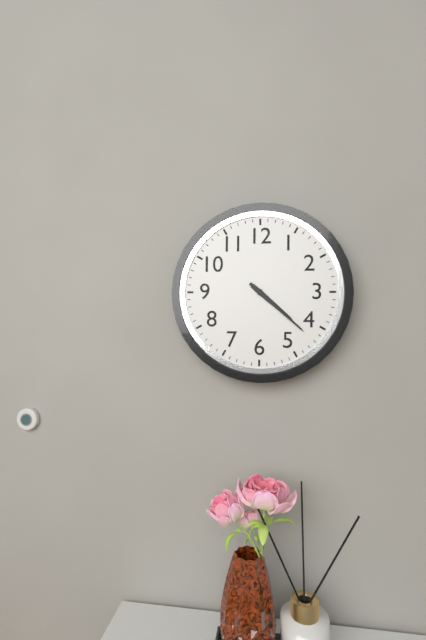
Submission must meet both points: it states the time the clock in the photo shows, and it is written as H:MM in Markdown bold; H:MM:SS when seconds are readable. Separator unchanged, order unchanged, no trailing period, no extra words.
**4:22**
